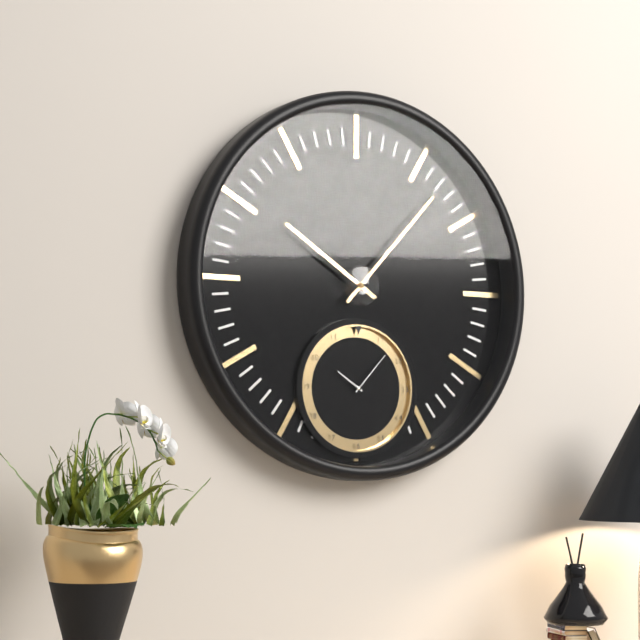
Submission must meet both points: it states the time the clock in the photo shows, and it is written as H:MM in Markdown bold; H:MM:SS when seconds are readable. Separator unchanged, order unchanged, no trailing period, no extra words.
**10:07**
